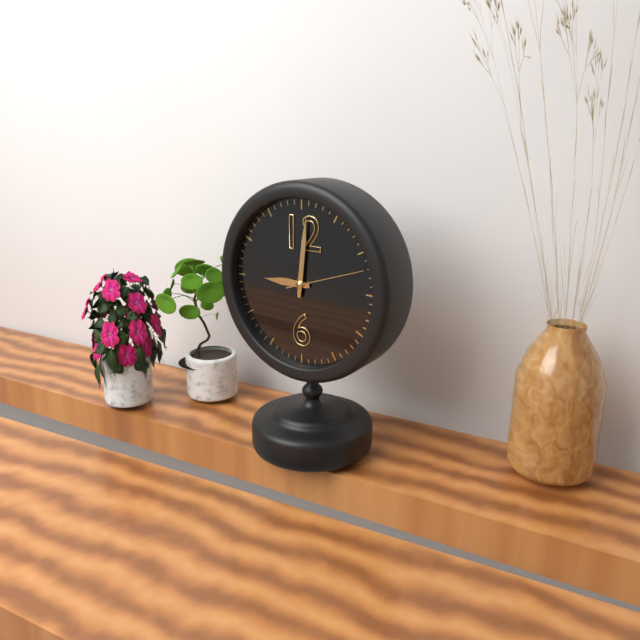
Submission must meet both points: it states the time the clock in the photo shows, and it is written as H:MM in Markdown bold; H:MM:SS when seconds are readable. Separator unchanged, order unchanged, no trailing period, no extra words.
**9:01:12**
